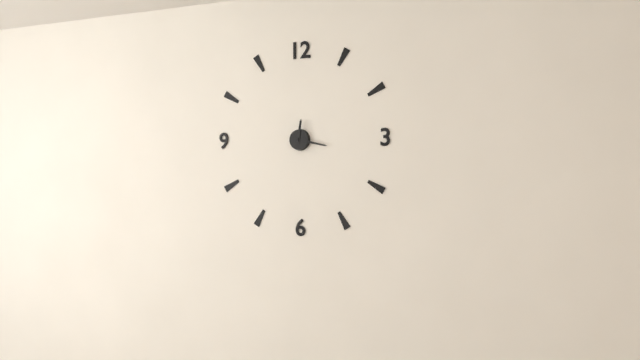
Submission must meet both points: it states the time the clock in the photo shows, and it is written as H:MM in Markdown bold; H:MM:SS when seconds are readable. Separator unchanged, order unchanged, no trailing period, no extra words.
**12:17**
